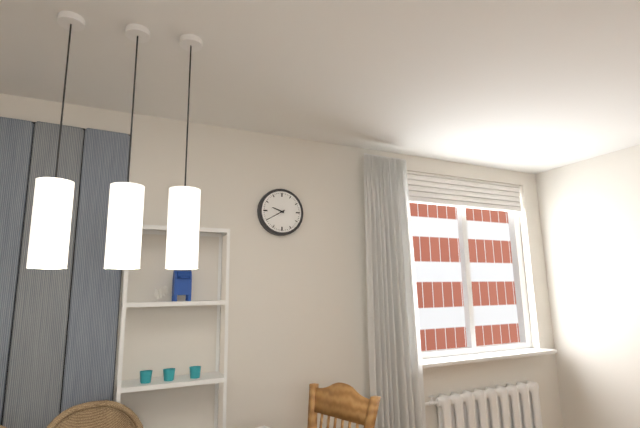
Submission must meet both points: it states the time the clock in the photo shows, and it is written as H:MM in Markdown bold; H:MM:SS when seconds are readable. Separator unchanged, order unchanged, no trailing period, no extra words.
**9:40**
